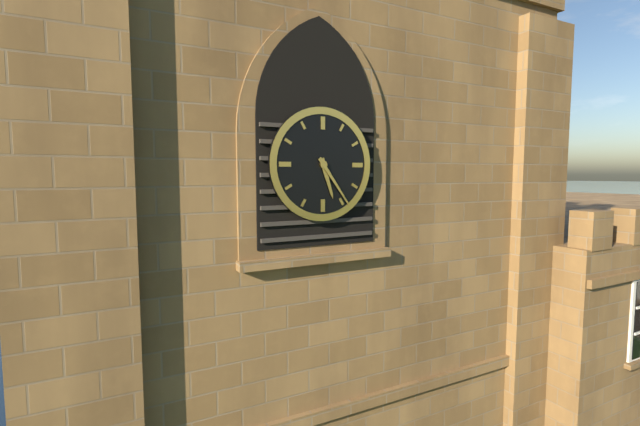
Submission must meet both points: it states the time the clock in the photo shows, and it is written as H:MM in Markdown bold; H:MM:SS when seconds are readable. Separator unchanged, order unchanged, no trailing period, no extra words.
**5:24**
